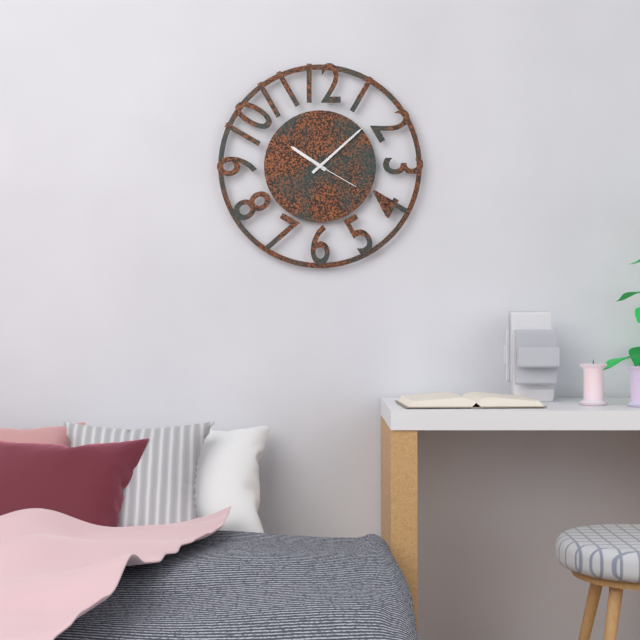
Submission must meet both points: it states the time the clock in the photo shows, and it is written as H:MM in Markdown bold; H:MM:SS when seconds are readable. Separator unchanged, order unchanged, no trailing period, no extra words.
**10:08:20**
